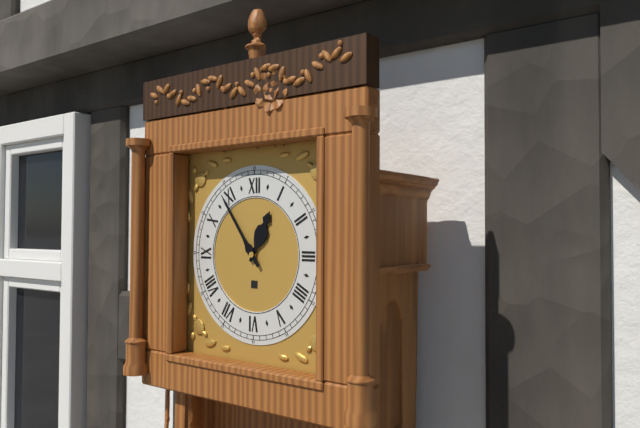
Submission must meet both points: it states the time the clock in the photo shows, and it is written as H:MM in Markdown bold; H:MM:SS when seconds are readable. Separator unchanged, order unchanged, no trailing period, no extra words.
**12:54**
